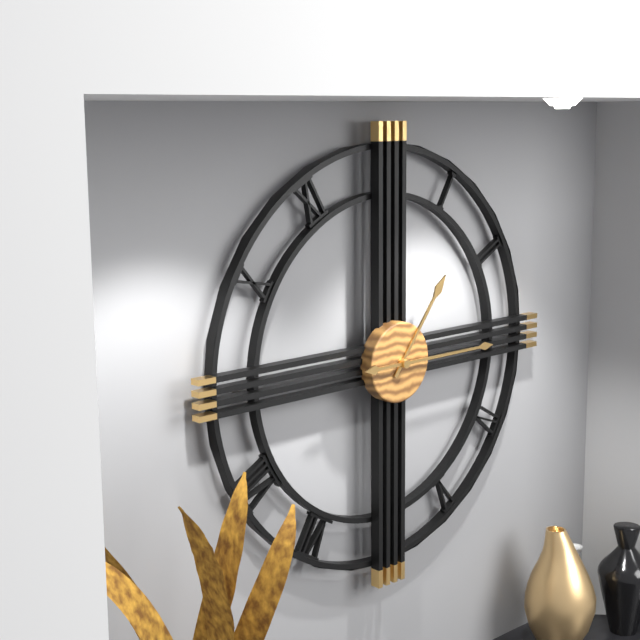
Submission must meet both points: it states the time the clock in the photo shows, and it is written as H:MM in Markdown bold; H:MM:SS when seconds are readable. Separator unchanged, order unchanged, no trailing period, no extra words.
**1:15**
